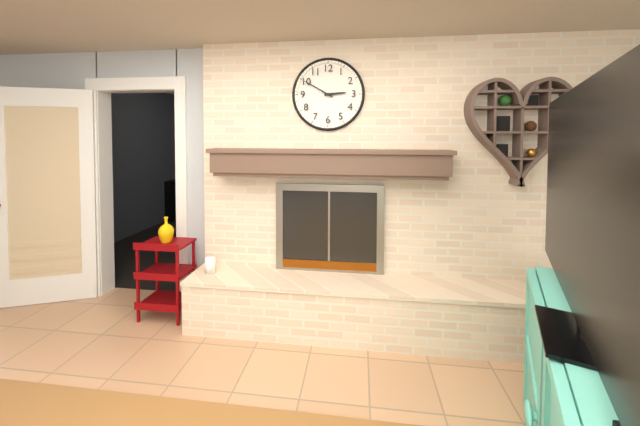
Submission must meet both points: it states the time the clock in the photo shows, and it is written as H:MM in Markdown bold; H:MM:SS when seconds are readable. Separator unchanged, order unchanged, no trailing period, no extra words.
**2:50**
